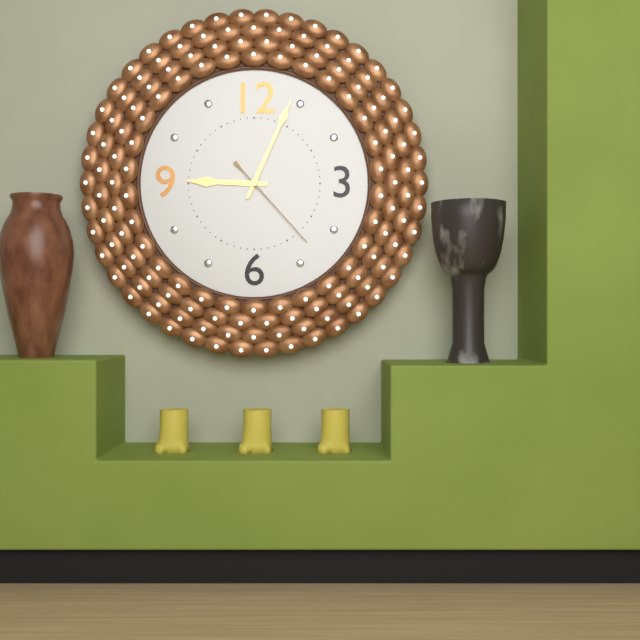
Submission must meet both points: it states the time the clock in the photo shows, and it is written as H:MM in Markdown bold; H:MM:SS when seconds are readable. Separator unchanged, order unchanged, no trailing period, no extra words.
**9:04:23**
